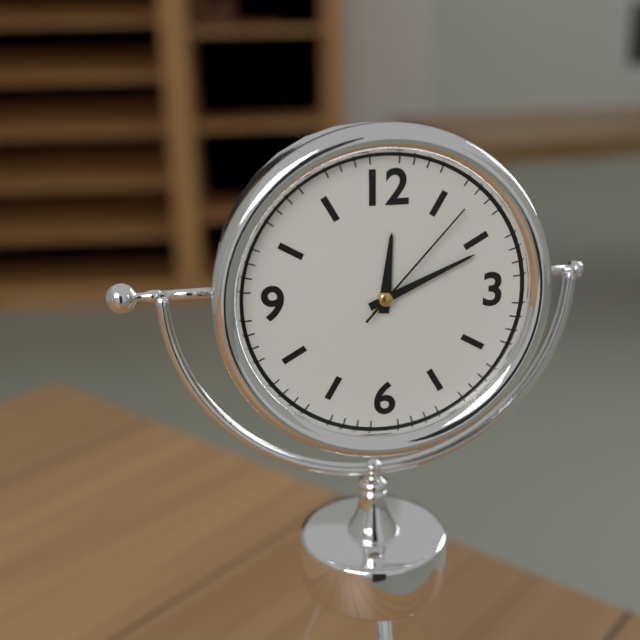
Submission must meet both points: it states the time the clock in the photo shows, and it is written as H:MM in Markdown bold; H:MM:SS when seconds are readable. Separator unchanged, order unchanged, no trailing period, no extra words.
**12:11:07**
